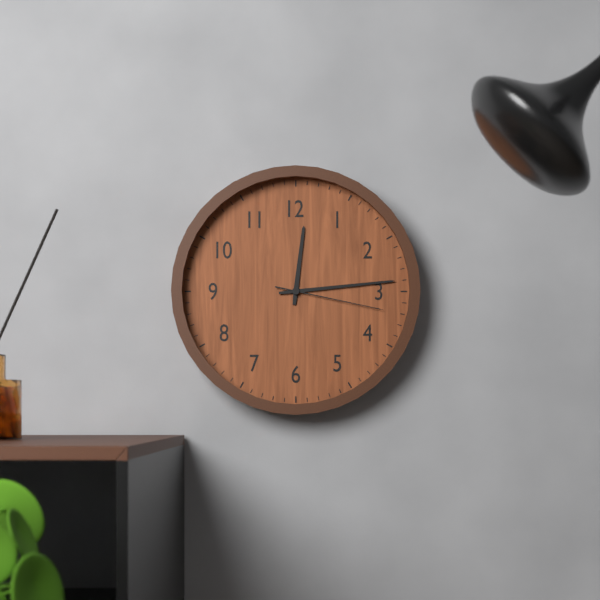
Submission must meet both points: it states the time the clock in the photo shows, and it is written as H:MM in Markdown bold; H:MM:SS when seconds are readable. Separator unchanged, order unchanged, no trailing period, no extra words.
**12:14:17**
